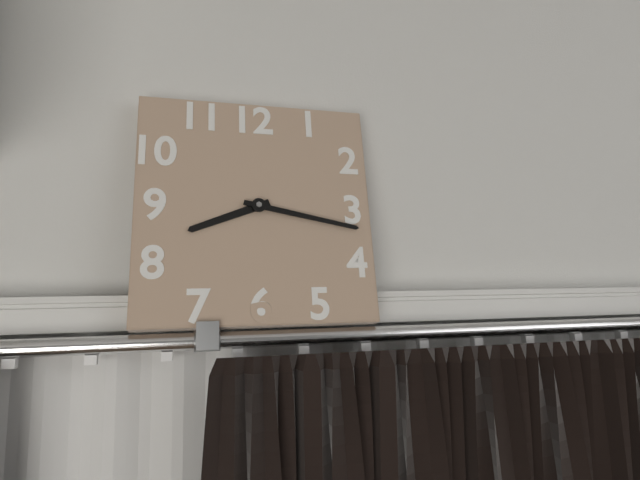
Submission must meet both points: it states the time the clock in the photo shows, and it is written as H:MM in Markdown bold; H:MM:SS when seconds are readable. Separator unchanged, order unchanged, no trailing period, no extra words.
**8:17**
